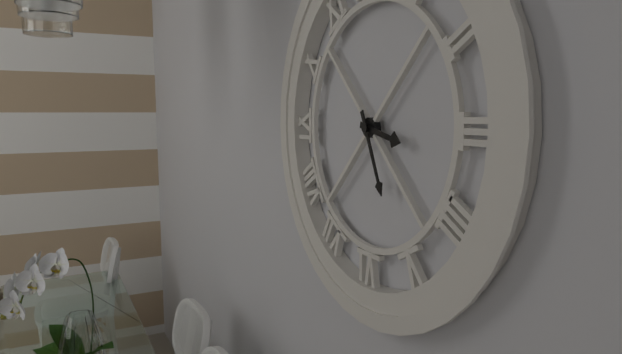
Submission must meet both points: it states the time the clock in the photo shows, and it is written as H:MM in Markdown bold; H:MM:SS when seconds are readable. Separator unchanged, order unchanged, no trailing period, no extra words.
**3:26**
